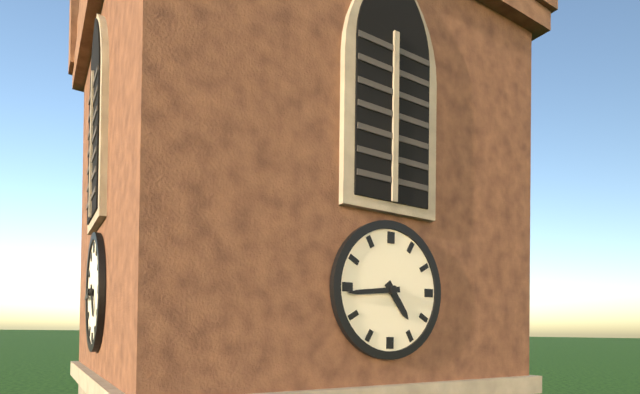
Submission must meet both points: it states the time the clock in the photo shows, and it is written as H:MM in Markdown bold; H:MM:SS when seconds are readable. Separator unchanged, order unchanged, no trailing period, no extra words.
**4:44**
